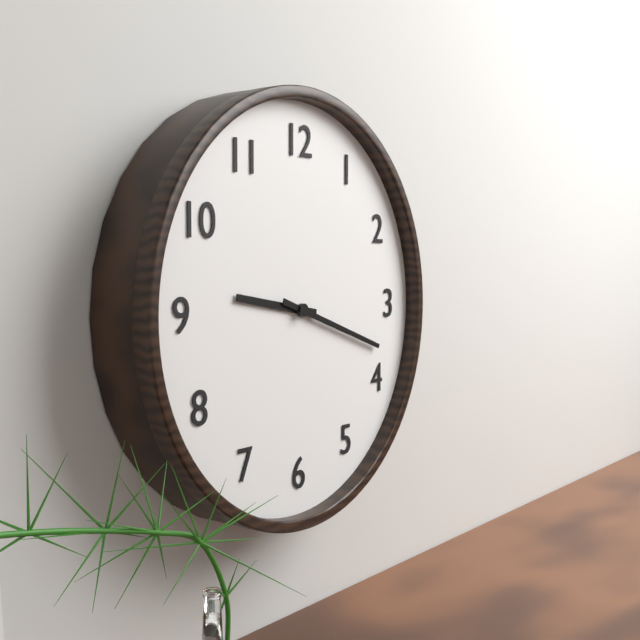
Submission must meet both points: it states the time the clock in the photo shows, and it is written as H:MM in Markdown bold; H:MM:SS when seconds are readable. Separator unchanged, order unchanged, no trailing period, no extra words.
**9:18**
